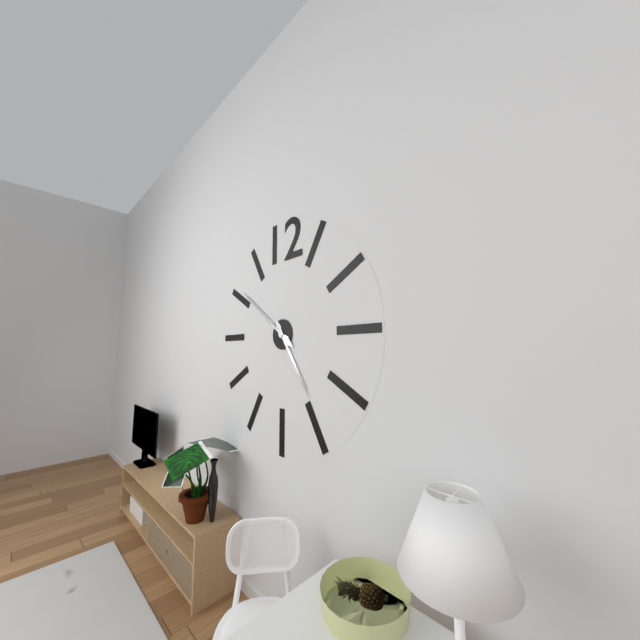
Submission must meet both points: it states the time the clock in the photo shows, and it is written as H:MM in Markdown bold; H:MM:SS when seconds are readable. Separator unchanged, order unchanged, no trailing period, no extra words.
**4:51**
